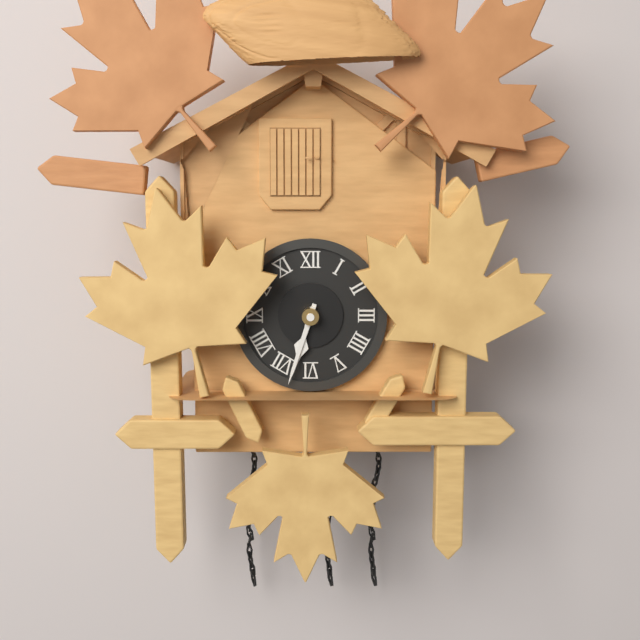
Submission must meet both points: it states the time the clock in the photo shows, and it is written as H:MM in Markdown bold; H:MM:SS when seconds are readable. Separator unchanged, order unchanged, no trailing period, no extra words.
**6:33**
